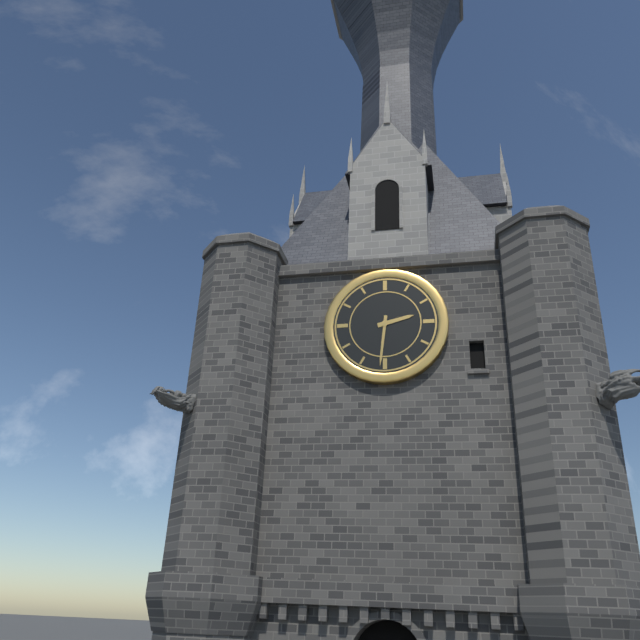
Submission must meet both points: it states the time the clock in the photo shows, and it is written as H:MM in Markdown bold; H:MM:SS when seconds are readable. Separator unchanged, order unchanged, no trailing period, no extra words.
**2:31**
